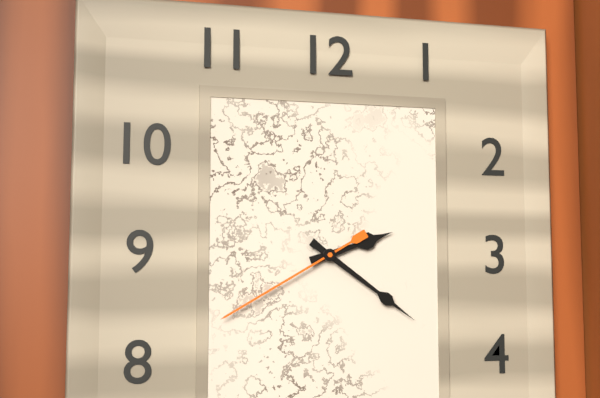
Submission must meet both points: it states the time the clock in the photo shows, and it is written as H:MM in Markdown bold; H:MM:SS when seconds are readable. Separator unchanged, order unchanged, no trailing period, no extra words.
**2:21:40**
